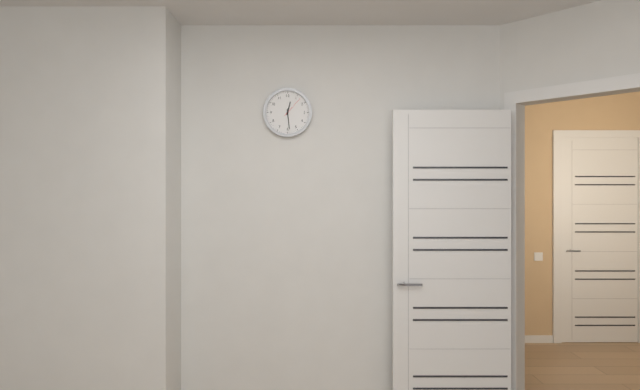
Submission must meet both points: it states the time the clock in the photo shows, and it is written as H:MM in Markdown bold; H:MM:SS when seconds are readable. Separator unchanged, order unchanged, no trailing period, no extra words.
**12:29**
